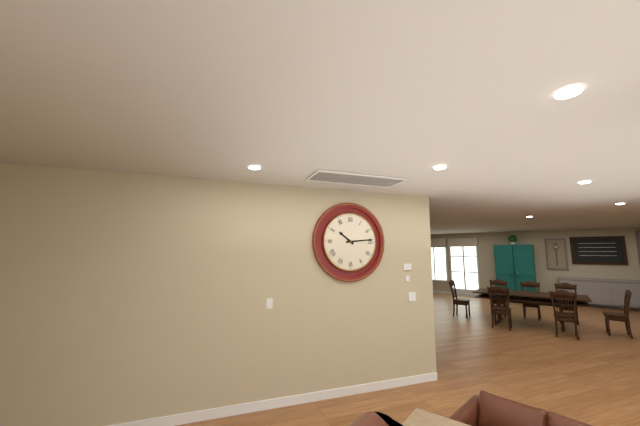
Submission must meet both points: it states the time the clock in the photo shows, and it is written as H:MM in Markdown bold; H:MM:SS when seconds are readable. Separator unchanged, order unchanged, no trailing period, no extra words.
**10:14**
